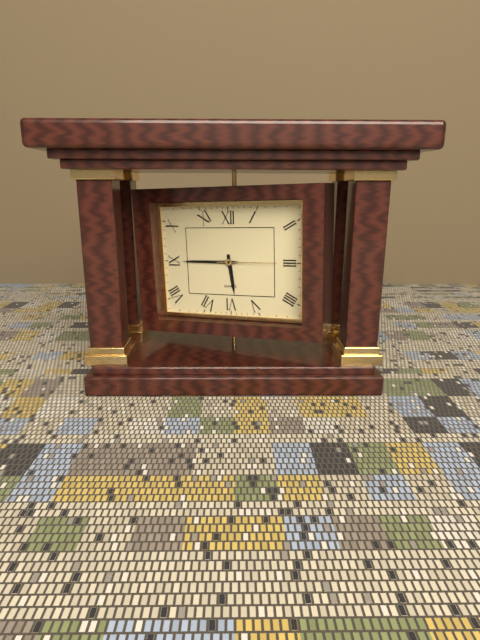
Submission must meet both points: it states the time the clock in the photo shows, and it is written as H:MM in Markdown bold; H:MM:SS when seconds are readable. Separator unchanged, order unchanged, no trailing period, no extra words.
**5:45:15**
